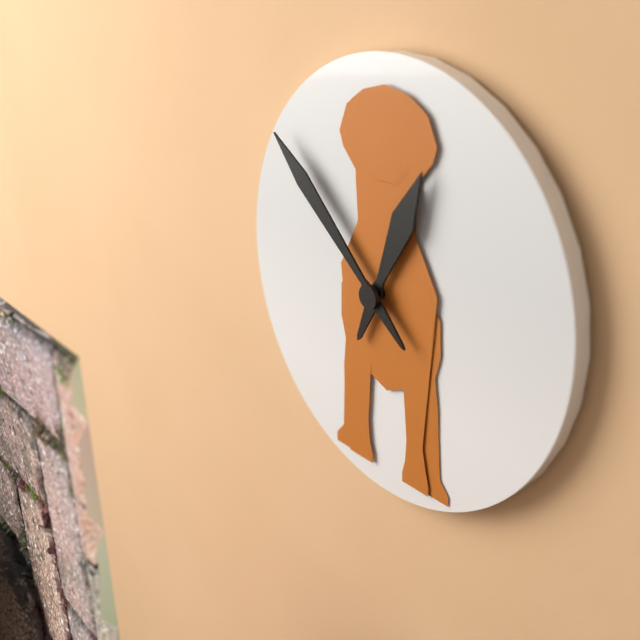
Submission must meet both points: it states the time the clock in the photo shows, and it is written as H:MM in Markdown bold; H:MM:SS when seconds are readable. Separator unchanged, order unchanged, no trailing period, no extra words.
**12:52**
